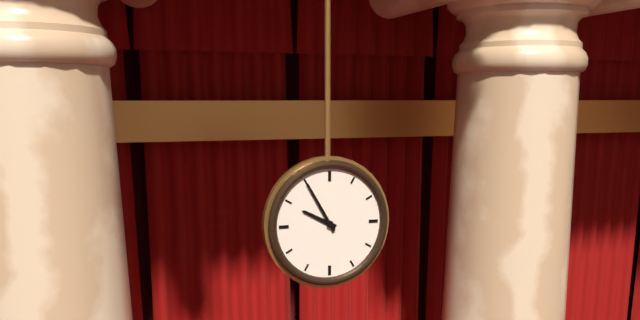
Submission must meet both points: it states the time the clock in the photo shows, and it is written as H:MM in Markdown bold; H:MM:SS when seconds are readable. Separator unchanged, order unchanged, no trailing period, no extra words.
**9:55**
